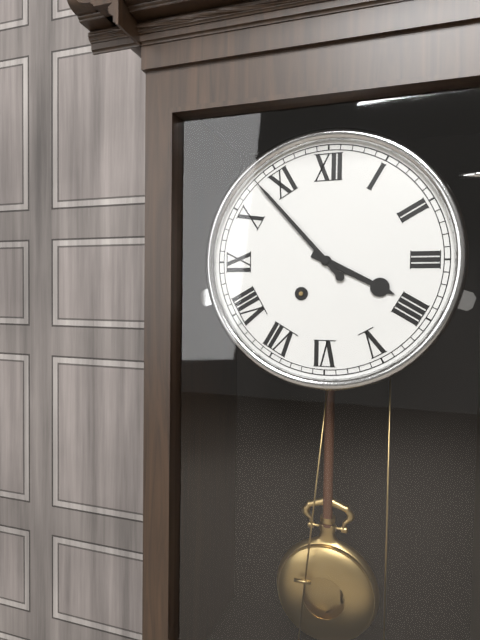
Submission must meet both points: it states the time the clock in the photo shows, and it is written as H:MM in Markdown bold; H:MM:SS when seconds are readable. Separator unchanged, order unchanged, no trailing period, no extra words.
**3:53**
